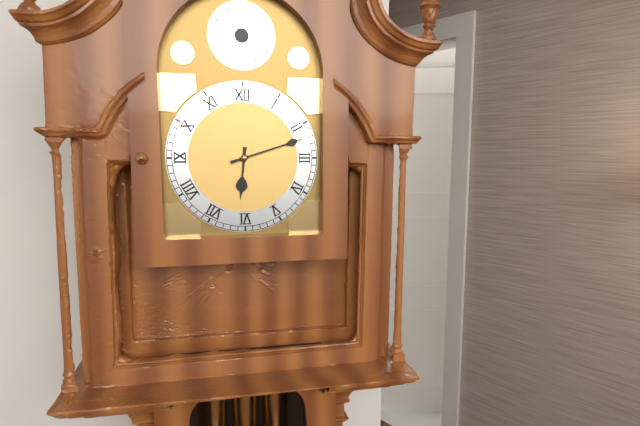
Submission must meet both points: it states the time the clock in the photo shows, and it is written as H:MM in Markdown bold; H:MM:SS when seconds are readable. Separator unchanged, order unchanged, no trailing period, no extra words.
**6:12**
